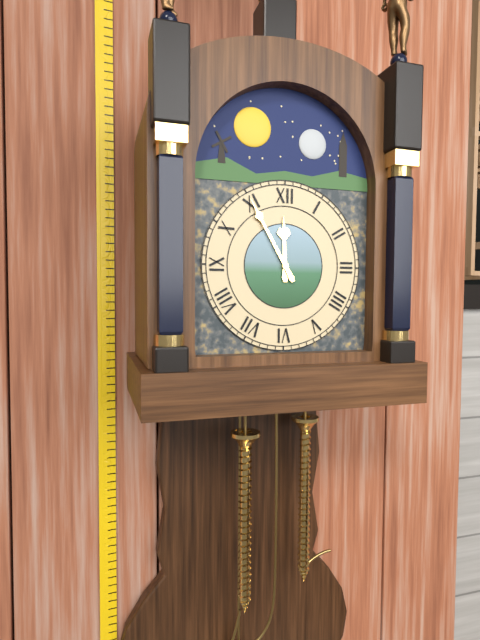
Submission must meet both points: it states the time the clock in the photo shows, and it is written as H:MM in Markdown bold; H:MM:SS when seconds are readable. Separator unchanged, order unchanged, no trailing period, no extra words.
**11:55**
